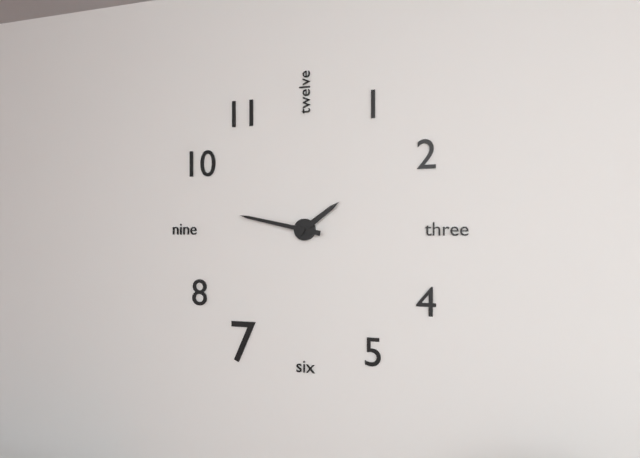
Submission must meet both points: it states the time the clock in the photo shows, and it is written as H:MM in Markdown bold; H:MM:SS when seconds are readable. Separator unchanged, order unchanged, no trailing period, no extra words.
**1:47**
